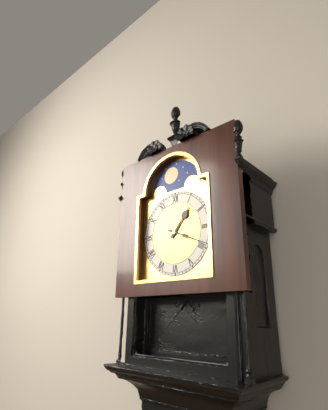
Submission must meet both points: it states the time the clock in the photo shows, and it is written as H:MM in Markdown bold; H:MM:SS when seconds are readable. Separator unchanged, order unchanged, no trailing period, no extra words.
**1:19**
